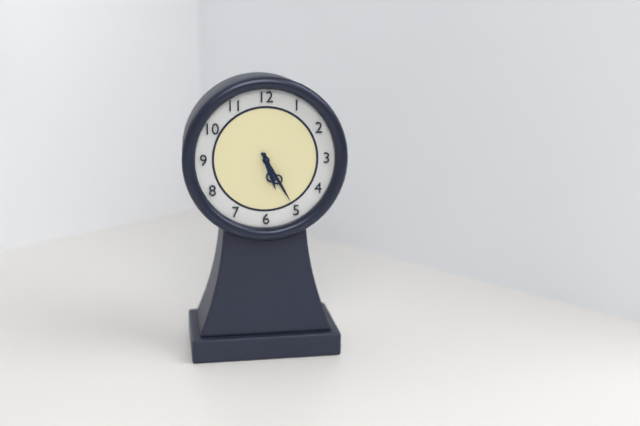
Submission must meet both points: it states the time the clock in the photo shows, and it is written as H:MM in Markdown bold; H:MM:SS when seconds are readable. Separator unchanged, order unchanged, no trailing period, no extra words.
**5:25**
